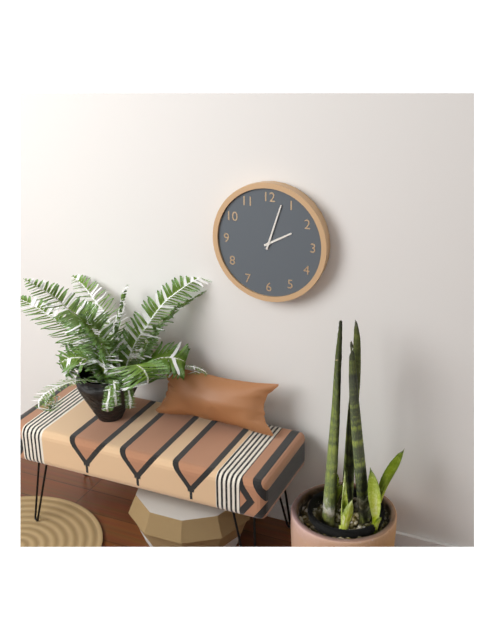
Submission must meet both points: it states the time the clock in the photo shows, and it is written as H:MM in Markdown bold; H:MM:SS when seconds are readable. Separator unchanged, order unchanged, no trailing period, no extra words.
**2:03**
